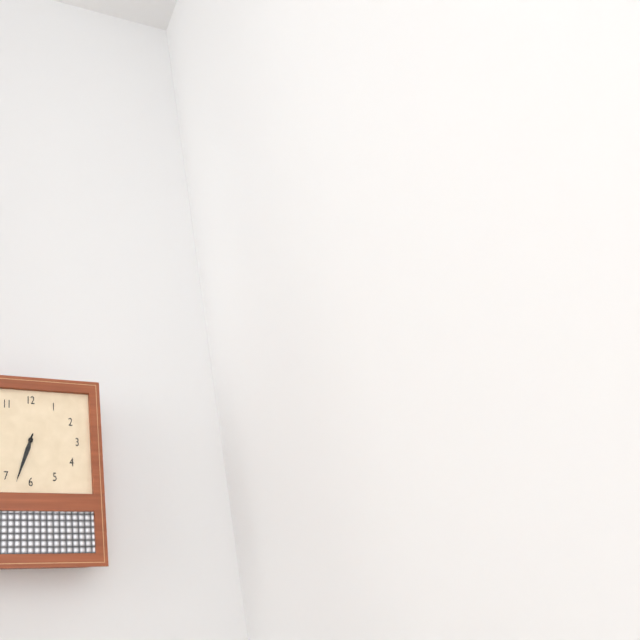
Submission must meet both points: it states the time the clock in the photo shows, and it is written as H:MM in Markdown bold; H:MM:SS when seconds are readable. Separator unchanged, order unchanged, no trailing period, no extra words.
**6:33**
